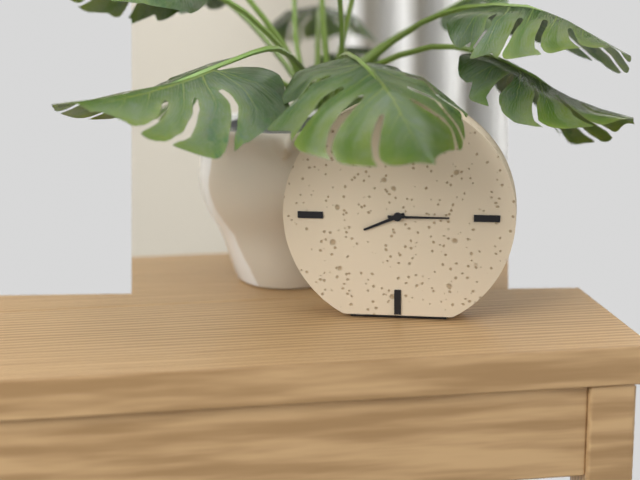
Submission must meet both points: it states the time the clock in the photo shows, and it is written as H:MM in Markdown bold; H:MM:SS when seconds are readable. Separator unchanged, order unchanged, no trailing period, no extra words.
**8:15**
